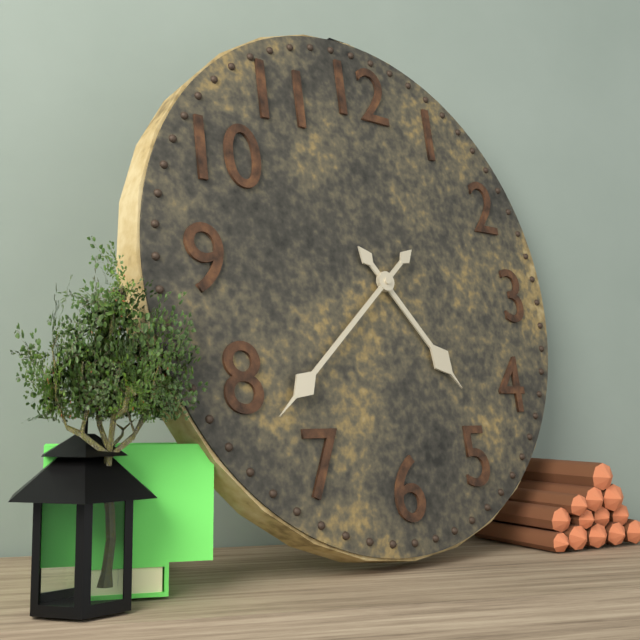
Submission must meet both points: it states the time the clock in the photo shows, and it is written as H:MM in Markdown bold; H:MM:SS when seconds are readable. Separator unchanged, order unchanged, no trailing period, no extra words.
**4:38**
